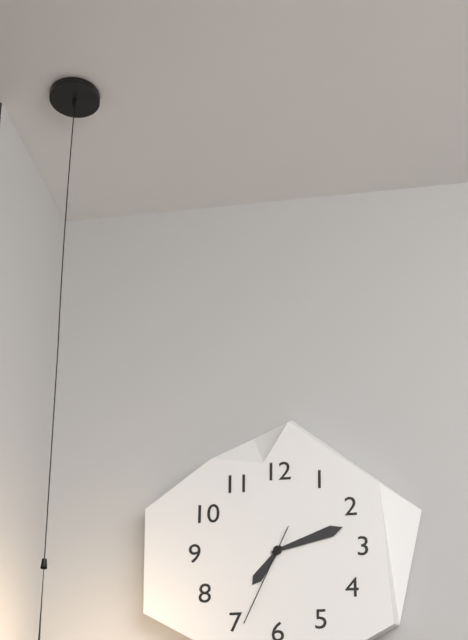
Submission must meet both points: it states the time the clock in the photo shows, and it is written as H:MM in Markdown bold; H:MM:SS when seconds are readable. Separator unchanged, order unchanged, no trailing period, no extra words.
**7:12:34**
